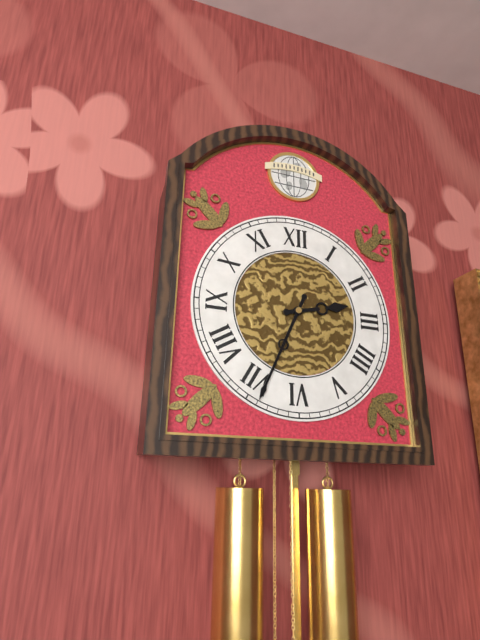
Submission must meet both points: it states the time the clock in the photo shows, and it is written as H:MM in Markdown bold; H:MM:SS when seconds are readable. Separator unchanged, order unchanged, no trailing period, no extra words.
**2:34**
